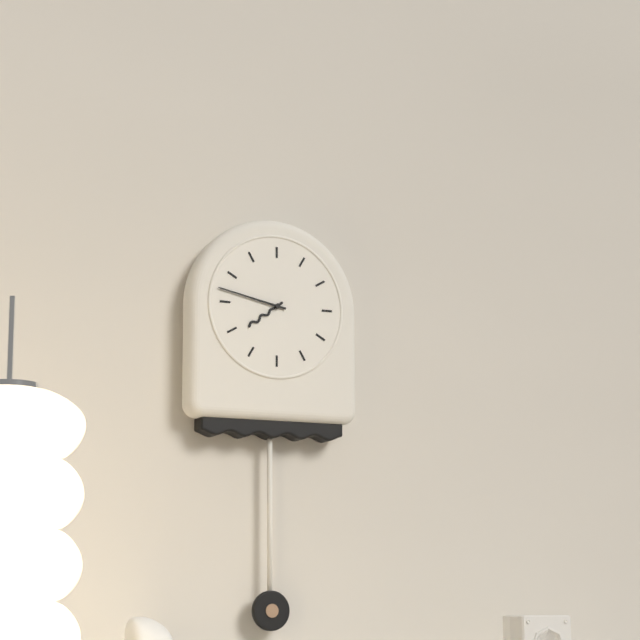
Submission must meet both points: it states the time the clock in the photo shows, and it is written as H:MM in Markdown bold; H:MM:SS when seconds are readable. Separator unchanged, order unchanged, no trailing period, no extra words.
**7:47**
